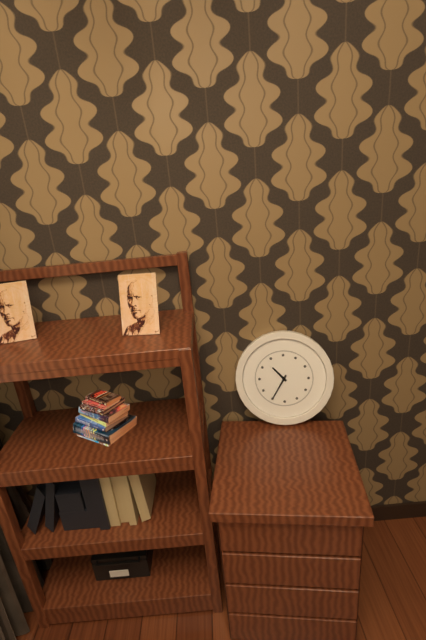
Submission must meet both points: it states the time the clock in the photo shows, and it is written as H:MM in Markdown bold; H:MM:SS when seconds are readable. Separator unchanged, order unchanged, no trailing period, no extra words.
**10:35**
